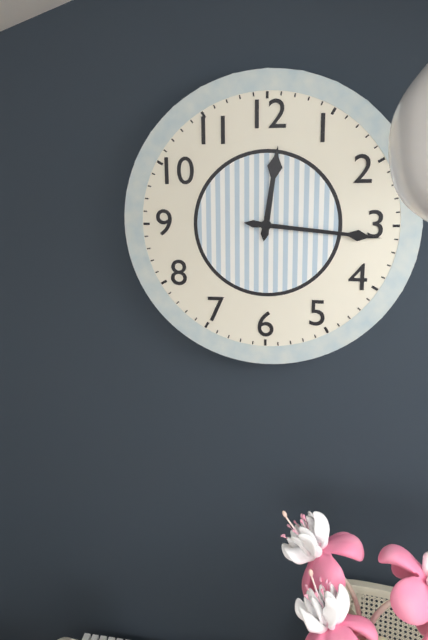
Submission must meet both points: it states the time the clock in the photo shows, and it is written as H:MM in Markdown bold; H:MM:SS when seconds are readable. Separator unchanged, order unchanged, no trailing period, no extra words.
**12:16**
